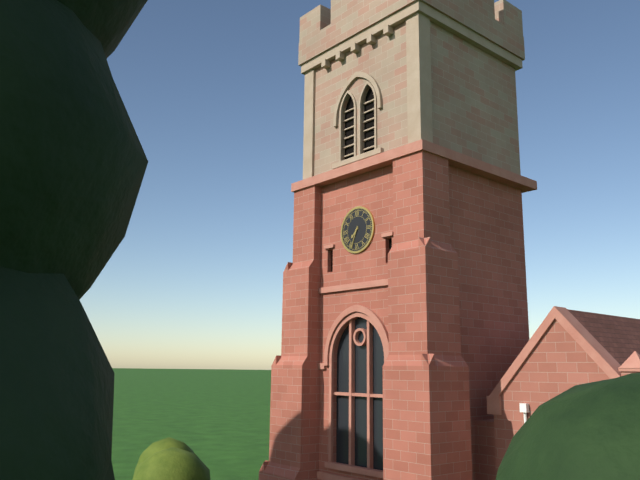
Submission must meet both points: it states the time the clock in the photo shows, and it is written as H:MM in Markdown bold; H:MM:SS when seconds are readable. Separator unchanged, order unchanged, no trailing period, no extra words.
**7:34**
